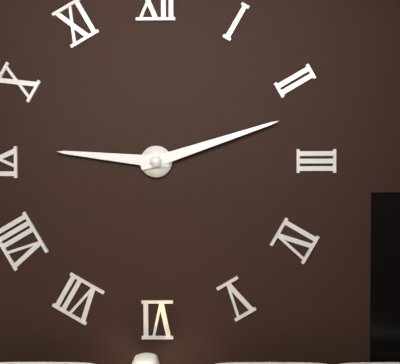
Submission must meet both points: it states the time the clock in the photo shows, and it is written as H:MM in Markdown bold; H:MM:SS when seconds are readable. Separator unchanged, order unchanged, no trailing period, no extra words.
**9:12**
